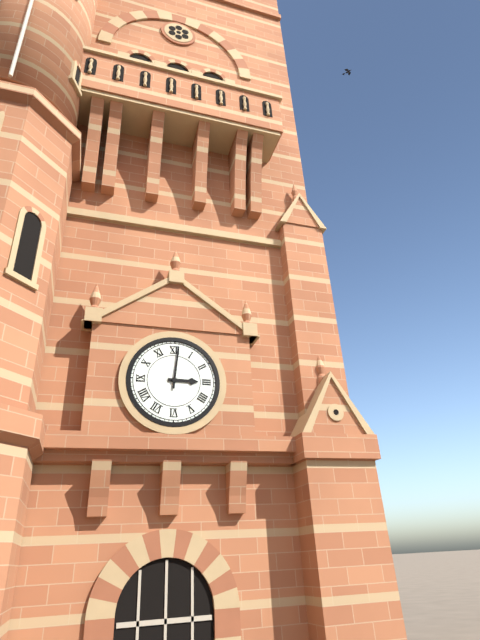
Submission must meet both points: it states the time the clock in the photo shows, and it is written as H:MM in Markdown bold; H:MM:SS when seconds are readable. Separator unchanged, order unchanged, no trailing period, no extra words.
**3:01**
